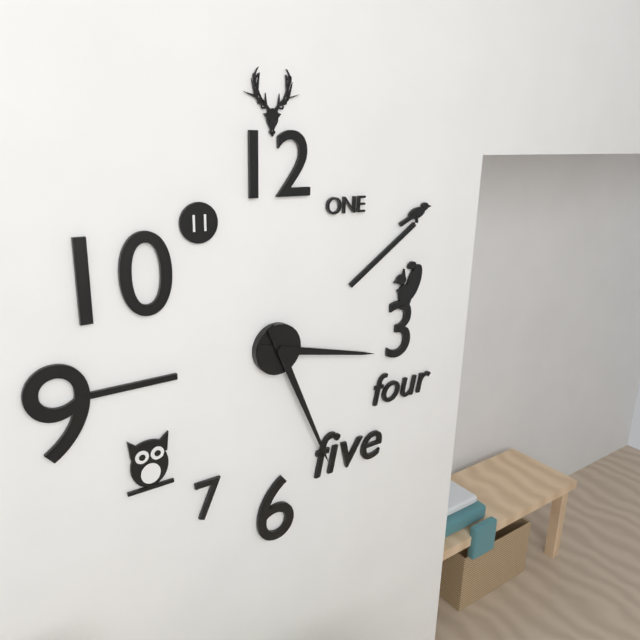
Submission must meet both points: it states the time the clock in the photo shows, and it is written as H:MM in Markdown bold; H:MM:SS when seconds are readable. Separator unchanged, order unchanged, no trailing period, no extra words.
**3:26**
